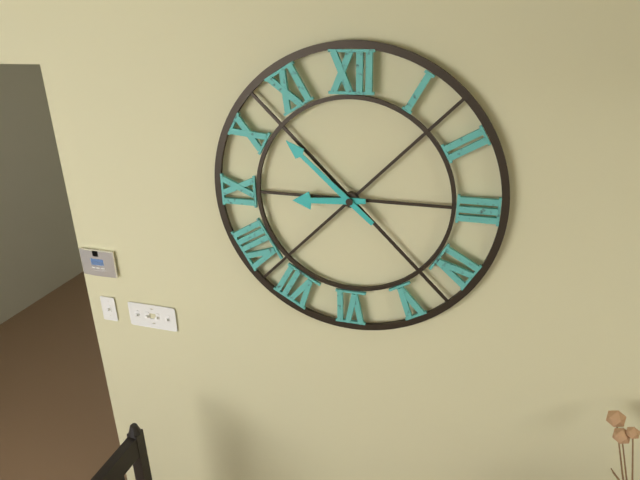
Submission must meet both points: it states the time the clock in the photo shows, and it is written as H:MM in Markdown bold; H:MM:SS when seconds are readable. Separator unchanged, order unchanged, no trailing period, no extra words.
**8:52**
